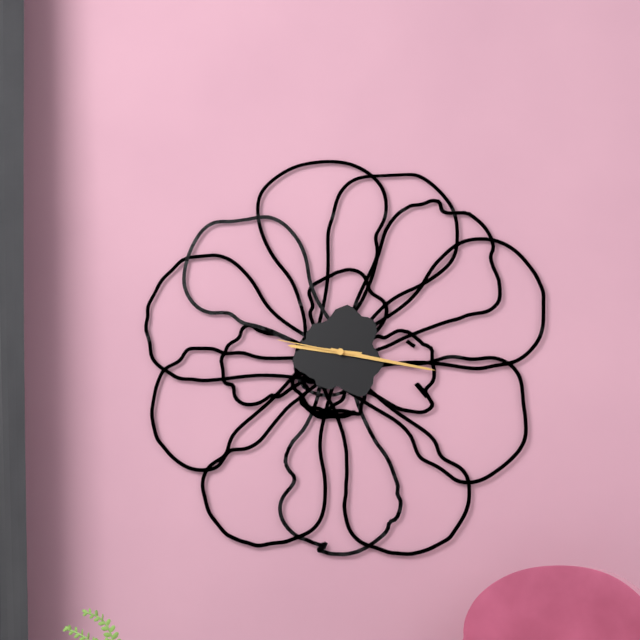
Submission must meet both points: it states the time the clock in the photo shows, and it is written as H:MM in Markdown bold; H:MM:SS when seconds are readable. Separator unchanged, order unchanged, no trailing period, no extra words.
**9:17:47**
